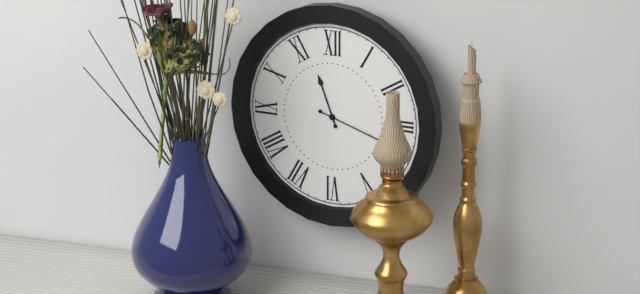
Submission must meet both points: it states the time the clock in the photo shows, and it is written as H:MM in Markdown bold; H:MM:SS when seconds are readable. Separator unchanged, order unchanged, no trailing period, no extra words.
**11:18**
